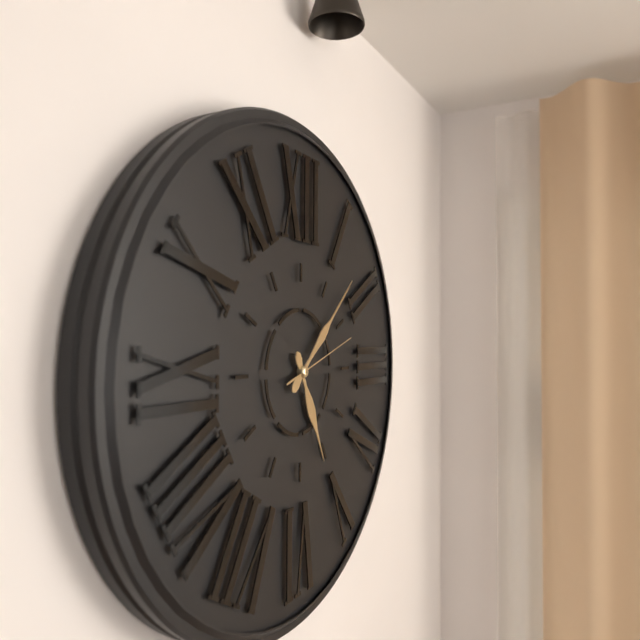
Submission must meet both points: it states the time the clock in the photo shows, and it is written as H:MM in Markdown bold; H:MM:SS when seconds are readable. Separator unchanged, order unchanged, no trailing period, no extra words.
**5:08:12**
